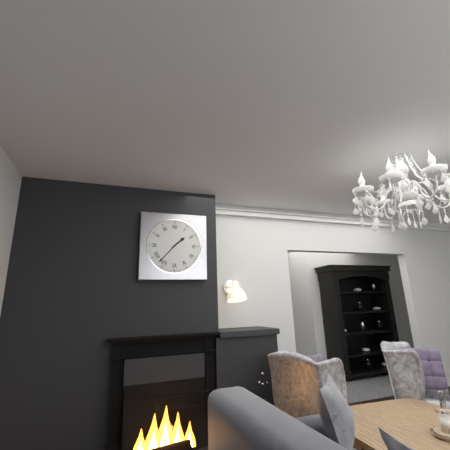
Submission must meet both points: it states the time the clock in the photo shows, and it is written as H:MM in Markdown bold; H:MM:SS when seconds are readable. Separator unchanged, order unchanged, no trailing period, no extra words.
**1:37**
